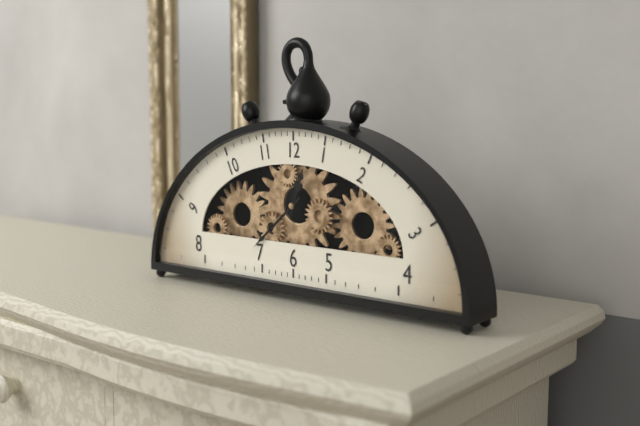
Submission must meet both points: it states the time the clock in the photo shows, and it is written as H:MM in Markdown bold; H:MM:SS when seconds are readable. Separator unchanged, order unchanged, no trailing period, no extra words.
**12:38**
